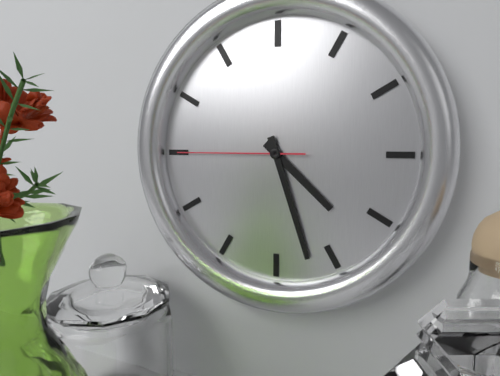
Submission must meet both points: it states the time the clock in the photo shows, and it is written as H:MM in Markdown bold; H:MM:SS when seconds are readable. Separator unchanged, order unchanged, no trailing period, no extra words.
**4:27:45**
